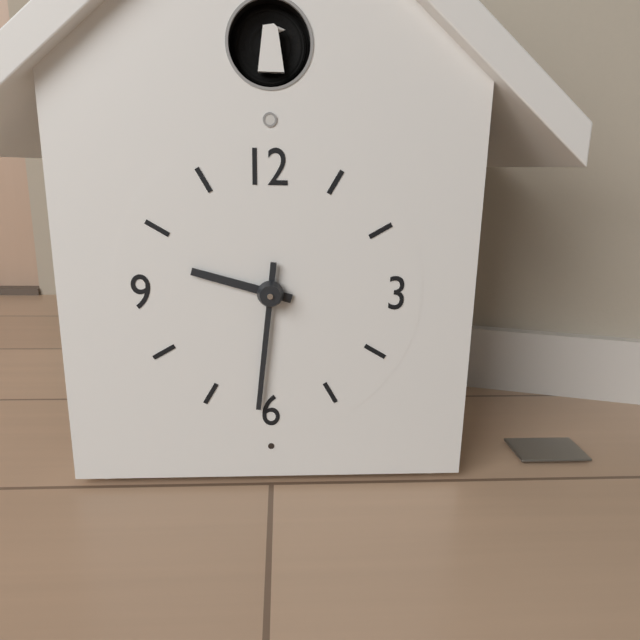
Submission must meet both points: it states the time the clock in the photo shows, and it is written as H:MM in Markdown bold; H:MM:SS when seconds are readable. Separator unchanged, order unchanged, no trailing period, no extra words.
**9:31**
